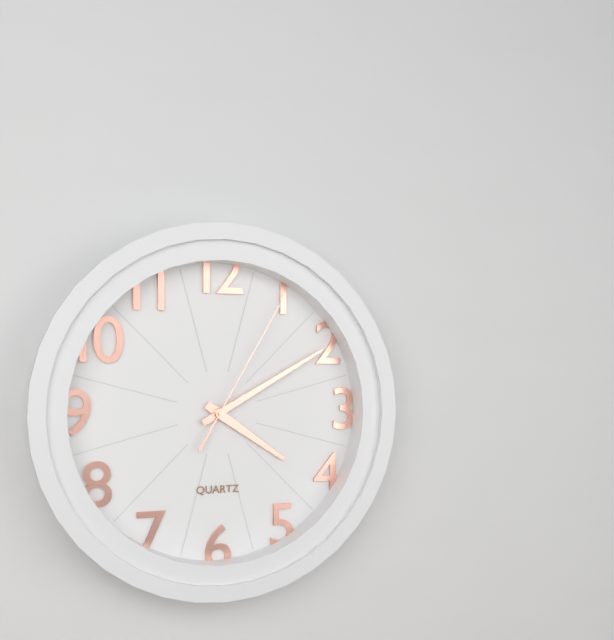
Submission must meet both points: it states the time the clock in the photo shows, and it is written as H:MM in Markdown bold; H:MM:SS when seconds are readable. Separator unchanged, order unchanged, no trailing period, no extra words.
**4:10:05**
